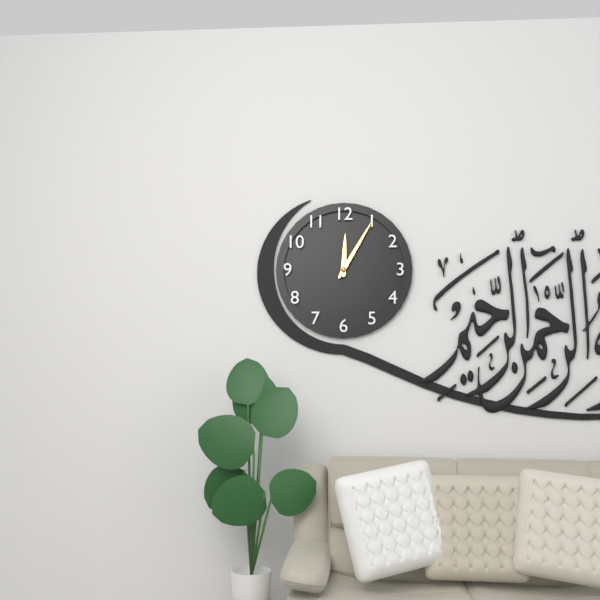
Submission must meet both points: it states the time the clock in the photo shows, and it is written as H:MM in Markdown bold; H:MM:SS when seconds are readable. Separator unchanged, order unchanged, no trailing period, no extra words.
**12:05**
